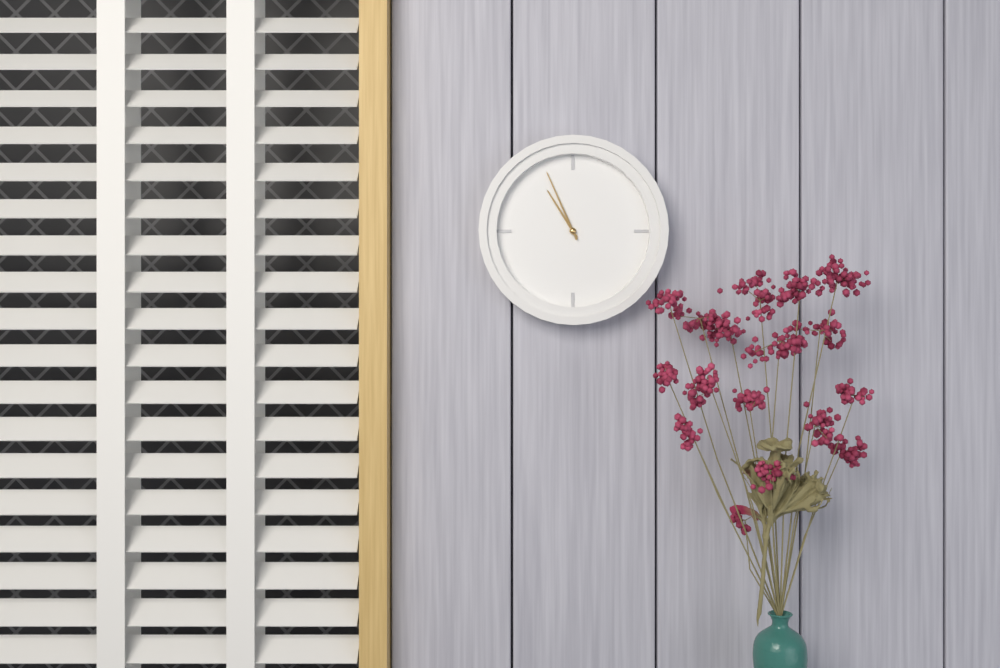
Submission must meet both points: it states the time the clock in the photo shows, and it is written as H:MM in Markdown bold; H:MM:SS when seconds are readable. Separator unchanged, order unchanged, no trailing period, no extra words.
**10:56**
